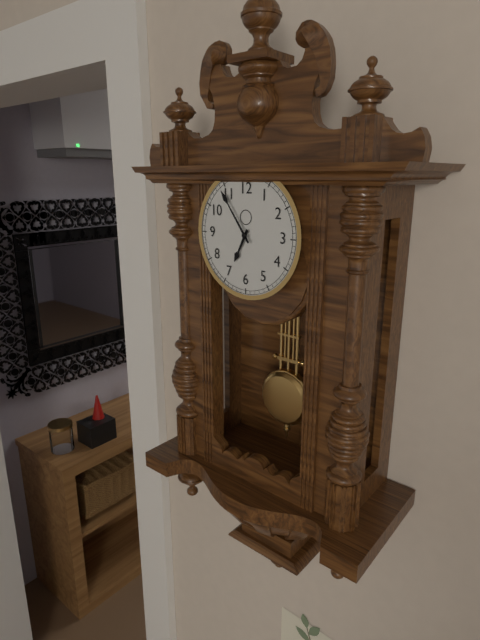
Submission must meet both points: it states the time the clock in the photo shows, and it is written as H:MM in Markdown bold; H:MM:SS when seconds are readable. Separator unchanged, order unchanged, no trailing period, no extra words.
**6:54**
